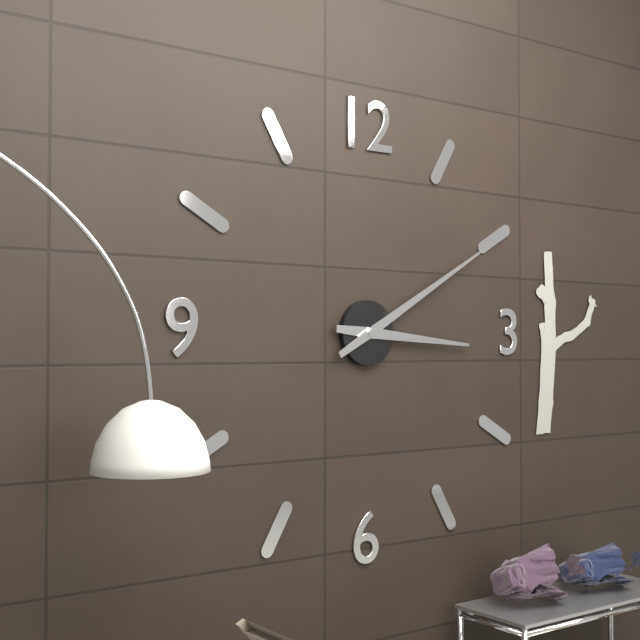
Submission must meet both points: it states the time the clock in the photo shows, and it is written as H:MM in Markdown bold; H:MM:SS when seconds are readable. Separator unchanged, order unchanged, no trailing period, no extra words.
**3:10**
